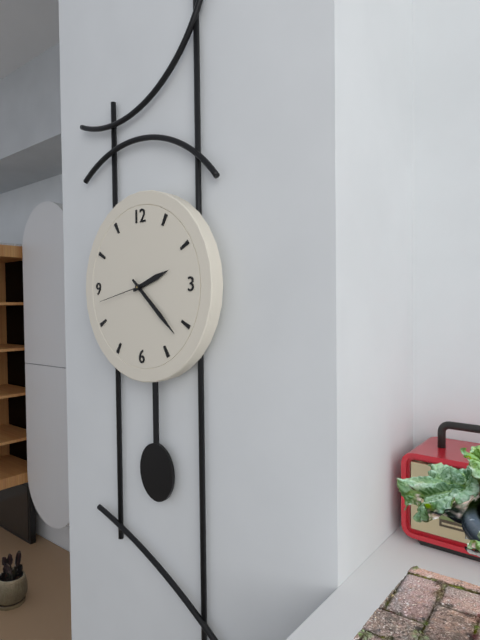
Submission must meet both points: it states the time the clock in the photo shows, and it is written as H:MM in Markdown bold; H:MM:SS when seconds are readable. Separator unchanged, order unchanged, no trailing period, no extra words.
**2:22:43**
